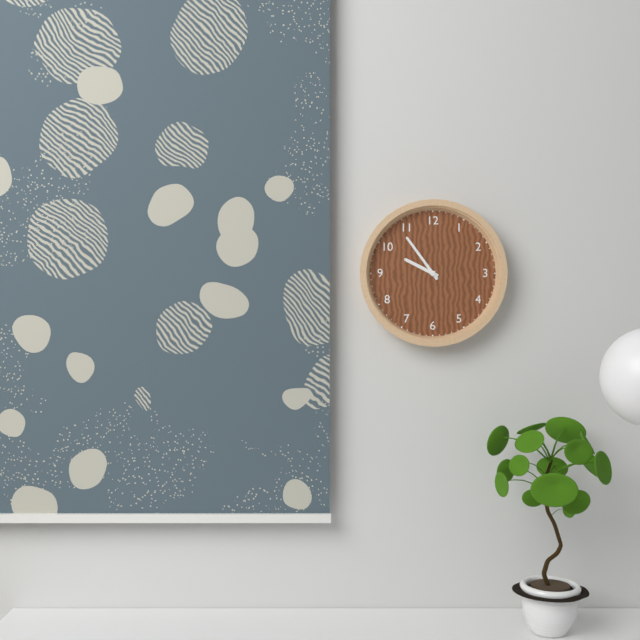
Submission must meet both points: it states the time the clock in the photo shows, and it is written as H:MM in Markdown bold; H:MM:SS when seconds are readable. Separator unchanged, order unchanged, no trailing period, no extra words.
**9:54**
